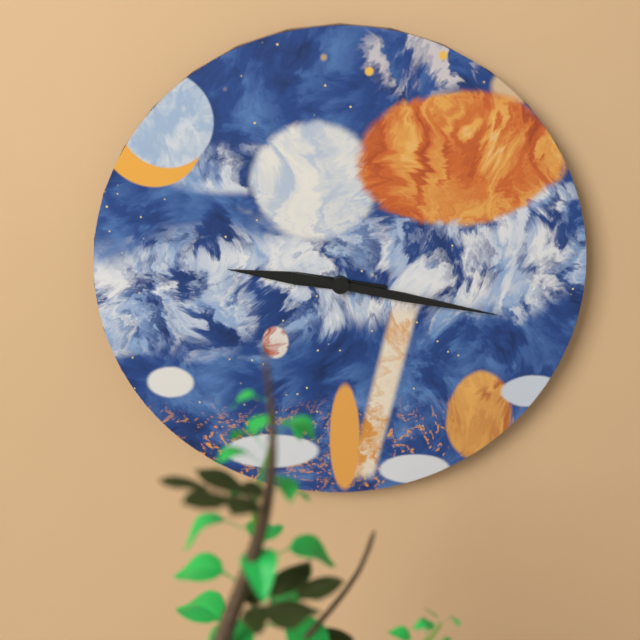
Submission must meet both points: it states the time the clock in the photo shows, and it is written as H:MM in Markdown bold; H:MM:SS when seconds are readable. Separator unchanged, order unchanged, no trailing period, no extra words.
**9:17**
